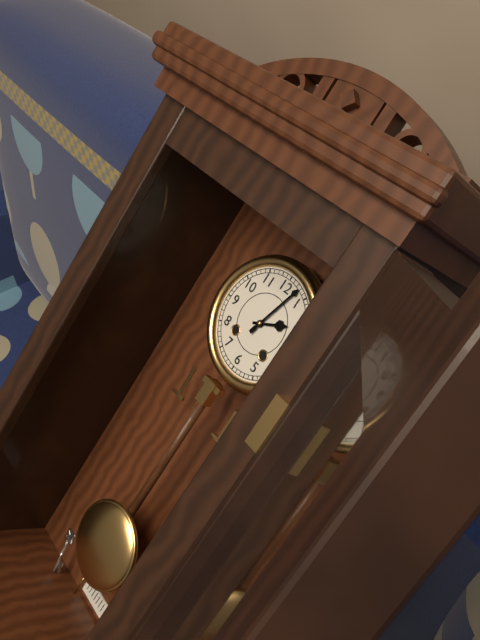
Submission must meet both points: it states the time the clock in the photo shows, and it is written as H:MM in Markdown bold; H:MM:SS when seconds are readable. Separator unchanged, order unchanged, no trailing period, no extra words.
**2:03**
